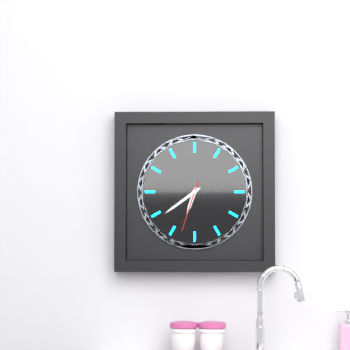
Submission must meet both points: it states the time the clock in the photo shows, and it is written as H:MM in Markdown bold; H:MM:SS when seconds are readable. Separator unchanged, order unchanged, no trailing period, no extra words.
**6:39:33**
